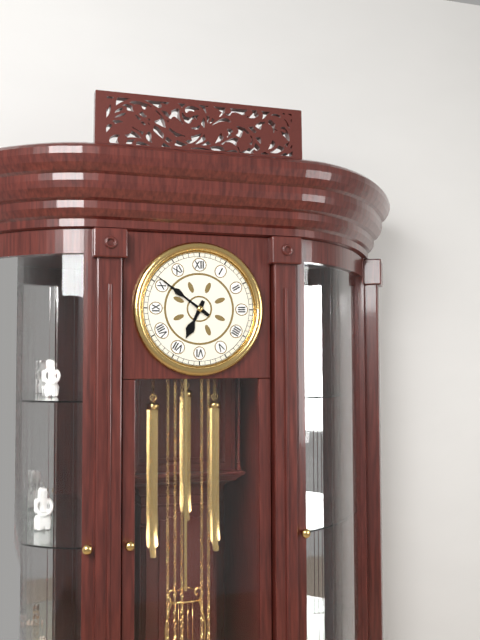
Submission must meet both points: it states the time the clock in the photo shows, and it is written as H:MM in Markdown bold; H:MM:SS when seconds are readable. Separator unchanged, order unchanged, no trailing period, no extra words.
**6:51**
